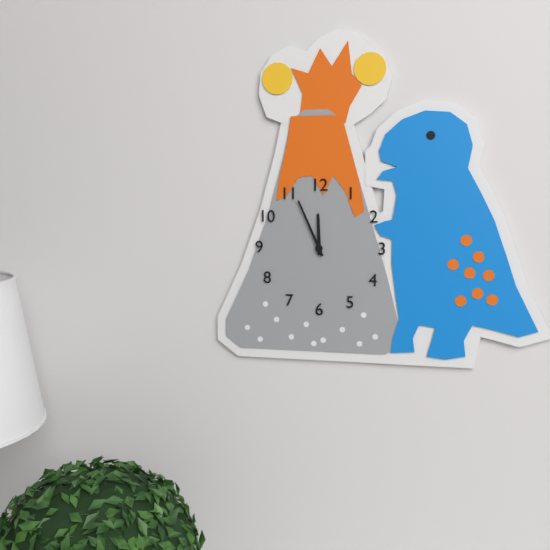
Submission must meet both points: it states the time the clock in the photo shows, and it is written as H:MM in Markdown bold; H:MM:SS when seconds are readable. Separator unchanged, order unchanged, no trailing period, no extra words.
**11:56**
